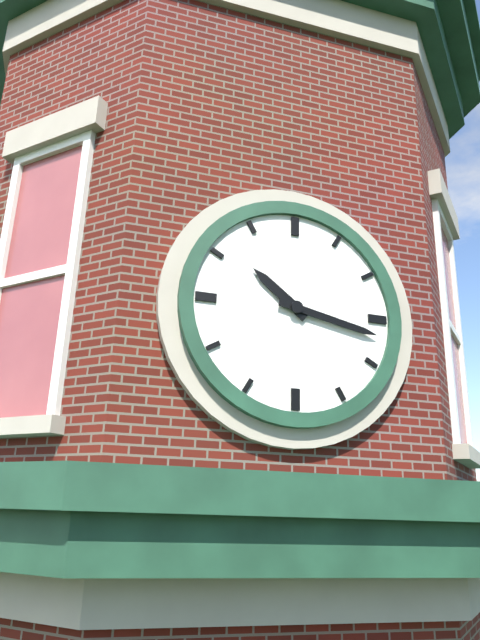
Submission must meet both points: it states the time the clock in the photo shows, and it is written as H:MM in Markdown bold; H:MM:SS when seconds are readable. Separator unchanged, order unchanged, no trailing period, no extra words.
**10:17**
